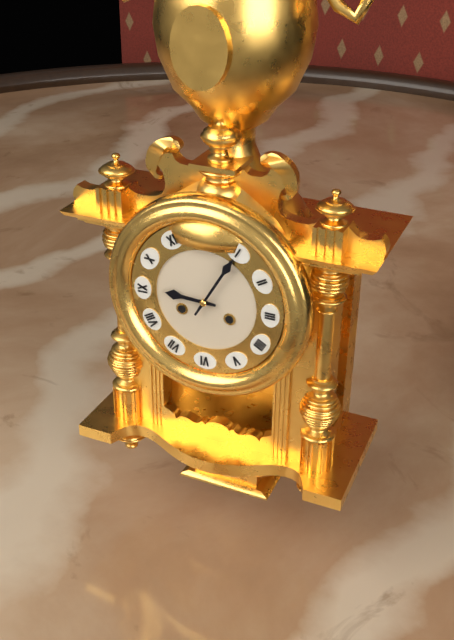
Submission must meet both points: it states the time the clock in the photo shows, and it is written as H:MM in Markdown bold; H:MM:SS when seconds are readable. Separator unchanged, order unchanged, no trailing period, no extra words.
**9:05**
